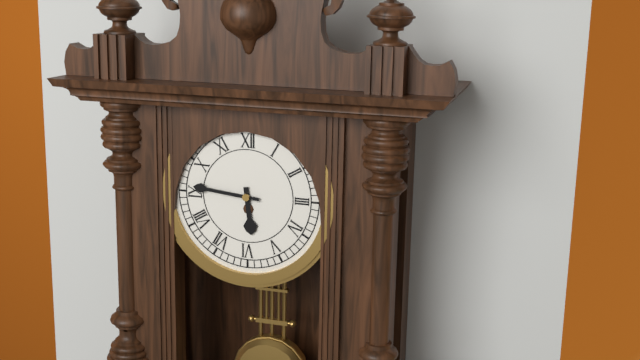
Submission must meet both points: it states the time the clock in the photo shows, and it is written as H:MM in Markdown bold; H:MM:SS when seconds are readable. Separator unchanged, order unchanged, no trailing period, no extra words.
**5:46**
